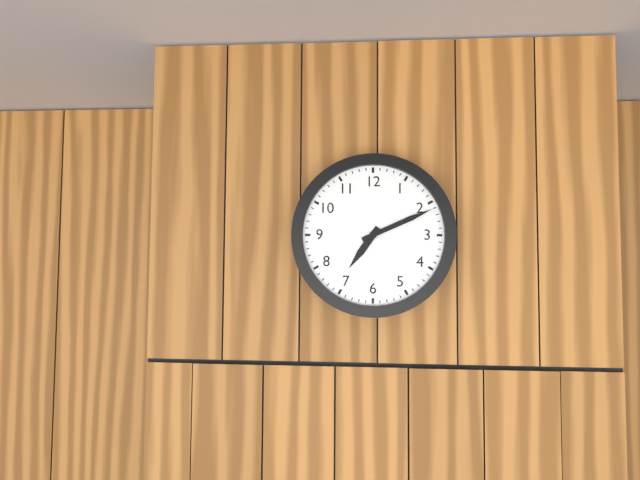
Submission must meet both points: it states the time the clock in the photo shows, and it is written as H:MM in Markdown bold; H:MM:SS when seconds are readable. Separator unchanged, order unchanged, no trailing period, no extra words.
**7:11**
